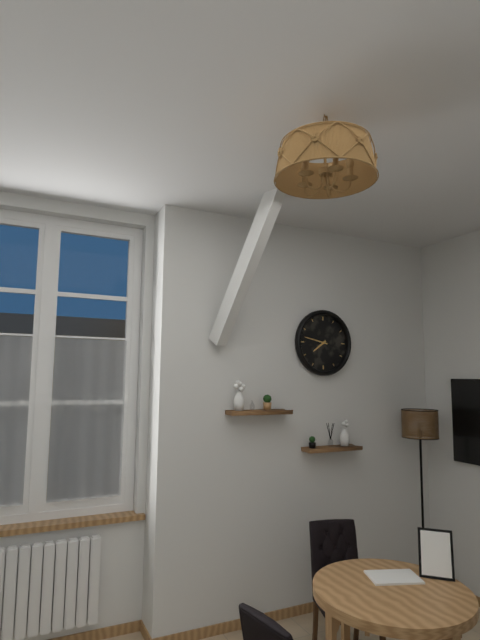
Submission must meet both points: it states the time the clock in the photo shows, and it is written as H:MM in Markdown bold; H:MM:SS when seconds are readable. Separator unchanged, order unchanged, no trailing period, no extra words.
**7:47**
